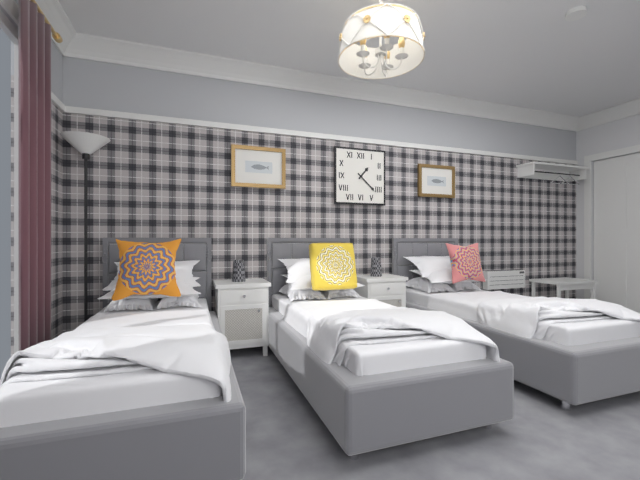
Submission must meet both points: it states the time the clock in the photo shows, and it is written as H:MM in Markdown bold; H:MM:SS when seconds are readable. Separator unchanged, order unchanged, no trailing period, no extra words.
**1:22**
